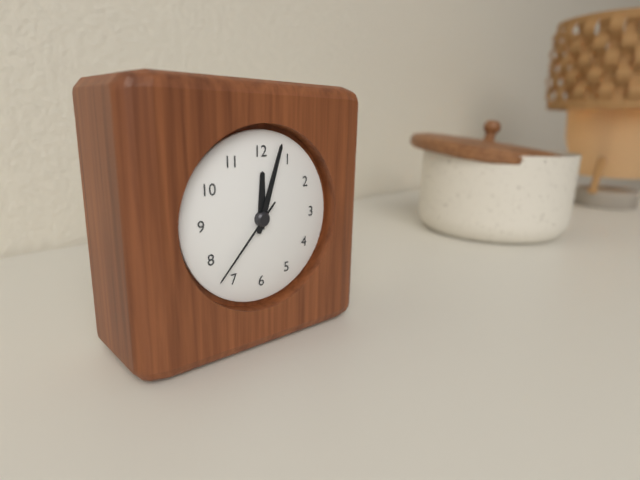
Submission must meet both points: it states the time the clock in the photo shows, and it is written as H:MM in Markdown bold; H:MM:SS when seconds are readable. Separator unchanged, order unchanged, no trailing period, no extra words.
**12:03:37**
